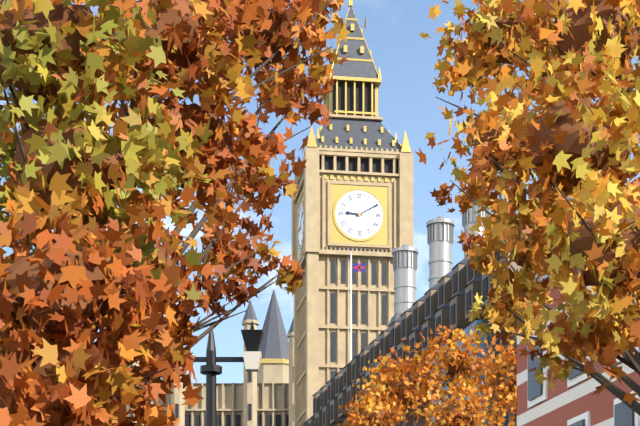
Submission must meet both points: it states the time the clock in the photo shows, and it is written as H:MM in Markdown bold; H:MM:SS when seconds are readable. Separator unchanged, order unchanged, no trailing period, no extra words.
**9:10**
